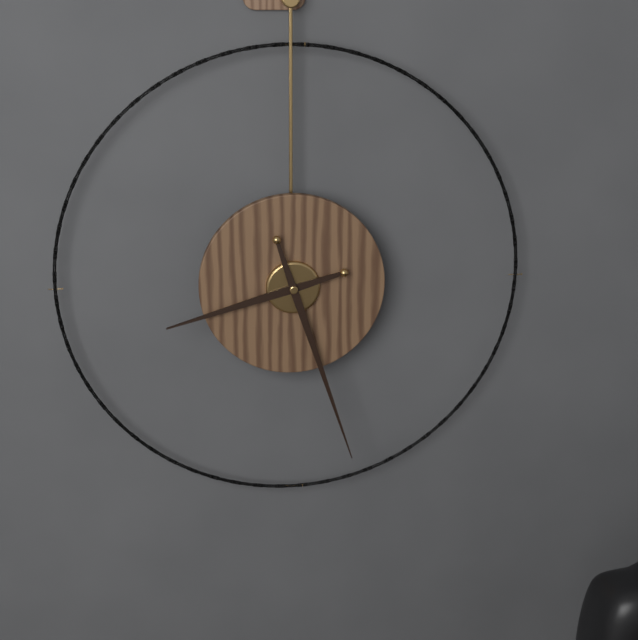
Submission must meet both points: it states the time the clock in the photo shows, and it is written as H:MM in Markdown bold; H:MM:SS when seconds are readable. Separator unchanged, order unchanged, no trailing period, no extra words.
**8:27**
